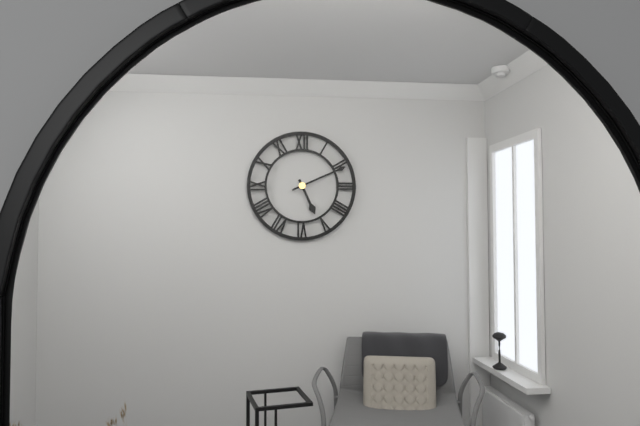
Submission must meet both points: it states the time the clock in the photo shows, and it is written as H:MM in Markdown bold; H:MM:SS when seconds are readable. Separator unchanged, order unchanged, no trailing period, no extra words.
**5:11**
